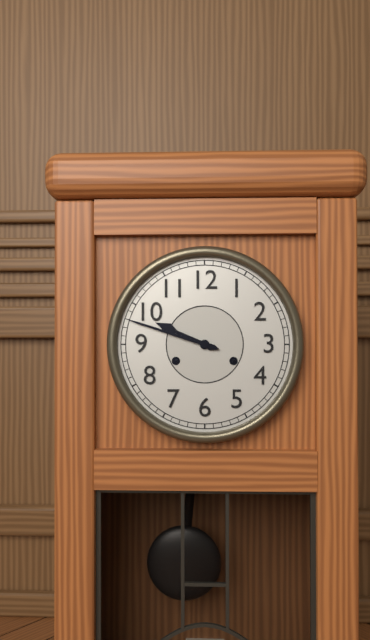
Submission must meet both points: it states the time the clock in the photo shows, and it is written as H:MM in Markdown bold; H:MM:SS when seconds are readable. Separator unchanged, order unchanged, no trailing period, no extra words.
**9:48**
